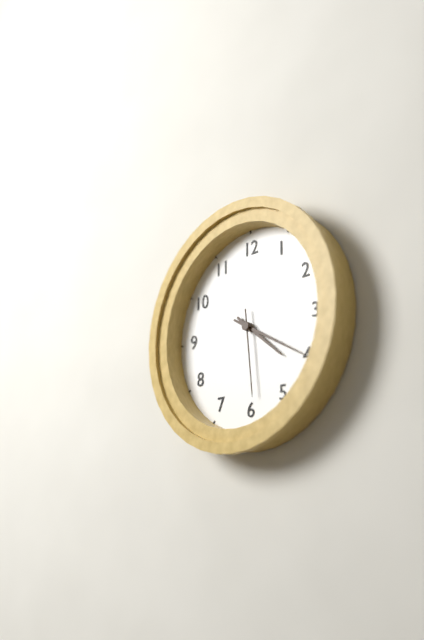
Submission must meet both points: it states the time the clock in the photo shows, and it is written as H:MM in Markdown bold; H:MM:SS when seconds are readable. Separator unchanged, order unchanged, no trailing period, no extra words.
**4:20:29**
